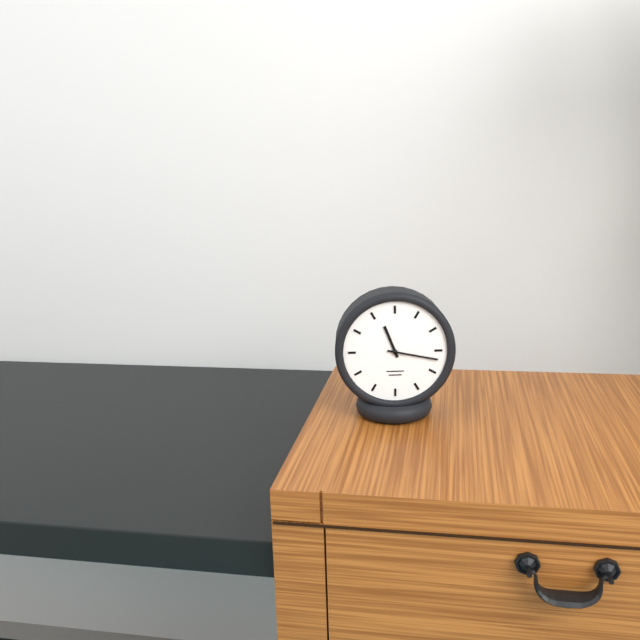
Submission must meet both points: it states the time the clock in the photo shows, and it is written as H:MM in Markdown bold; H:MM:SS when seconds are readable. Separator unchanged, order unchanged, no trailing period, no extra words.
**11:17**
